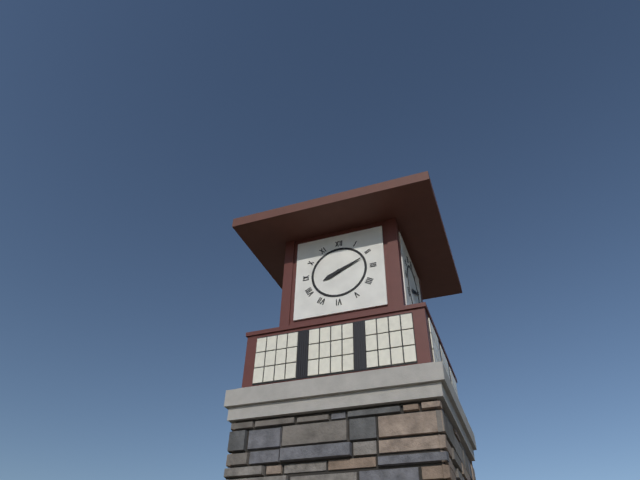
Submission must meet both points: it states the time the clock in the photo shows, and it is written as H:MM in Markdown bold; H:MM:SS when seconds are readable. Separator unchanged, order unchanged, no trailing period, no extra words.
**8:11**
